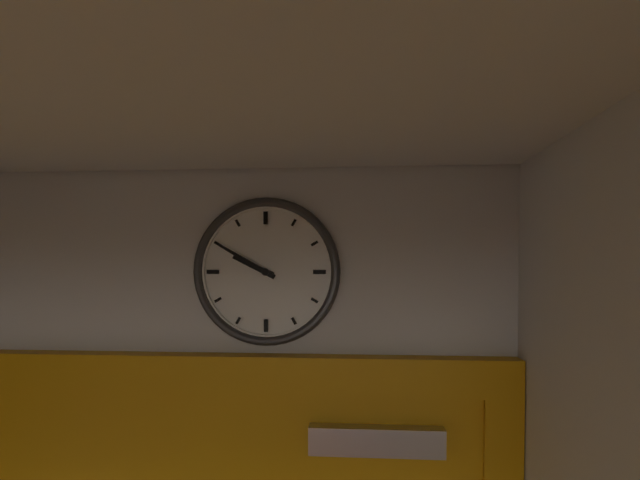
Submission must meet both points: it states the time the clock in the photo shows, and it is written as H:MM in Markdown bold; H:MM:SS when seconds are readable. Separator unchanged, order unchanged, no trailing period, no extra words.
**9:50**
